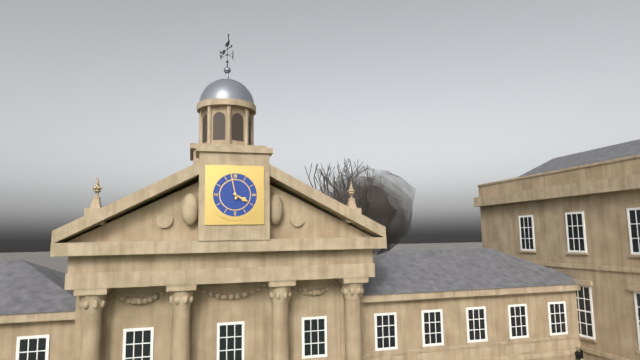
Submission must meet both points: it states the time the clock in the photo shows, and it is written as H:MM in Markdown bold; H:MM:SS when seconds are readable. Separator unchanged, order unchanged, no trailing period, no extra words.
**3:58**
